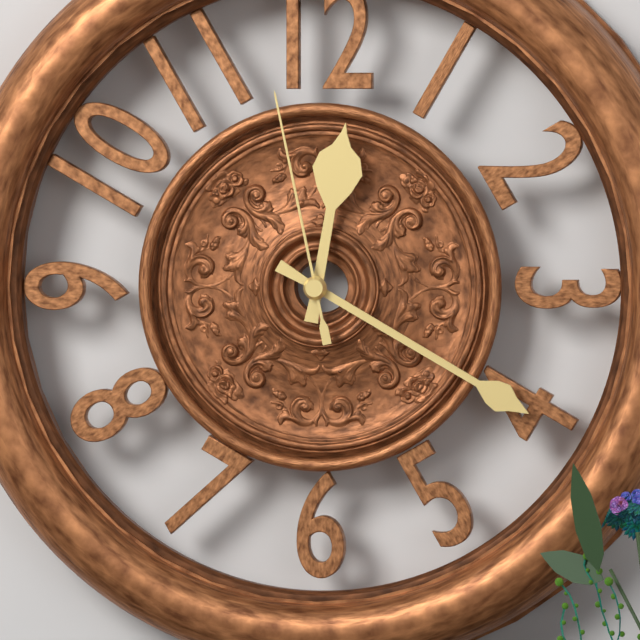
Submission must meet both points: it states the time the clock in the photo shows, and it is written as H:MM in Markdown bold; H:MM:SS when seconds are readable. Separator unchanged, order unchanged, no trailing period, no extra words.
**12:20:58**
